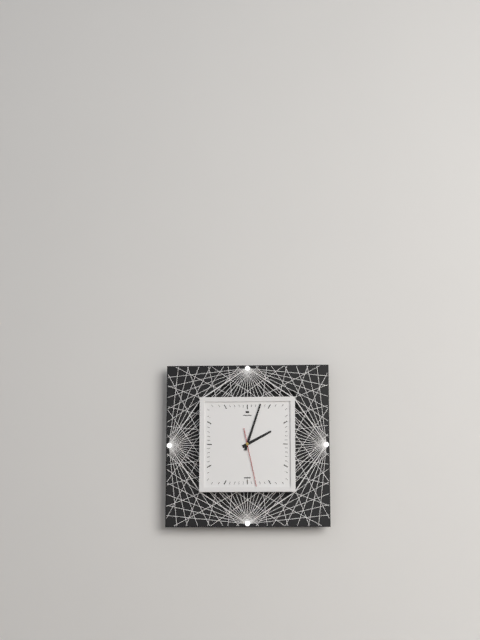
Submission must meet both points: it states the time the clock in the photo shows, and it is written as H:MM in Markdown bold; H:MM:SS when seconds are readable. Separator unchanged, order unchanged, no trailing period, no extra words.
**2:03:28**
